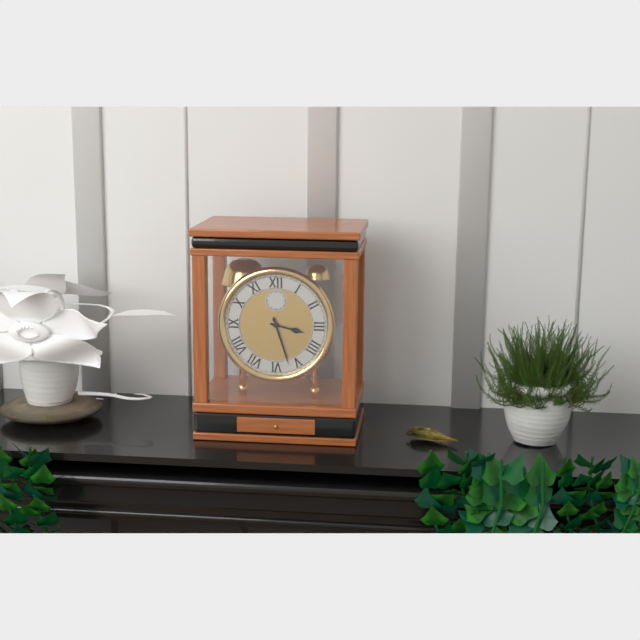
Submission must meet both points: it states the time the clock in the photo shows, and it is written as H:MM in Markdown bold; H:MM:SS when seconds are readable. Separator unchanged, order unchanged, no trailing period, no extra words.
**3:27**
